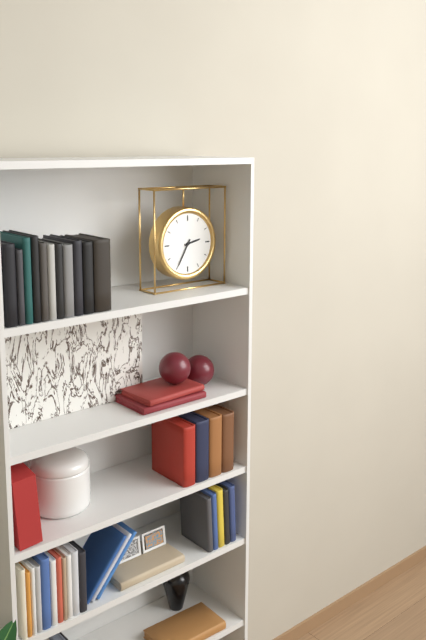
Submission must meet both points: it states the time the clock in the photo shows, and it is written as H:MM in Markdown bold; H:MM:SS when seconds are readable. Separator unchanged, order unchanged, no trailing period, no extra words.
**2:35**
